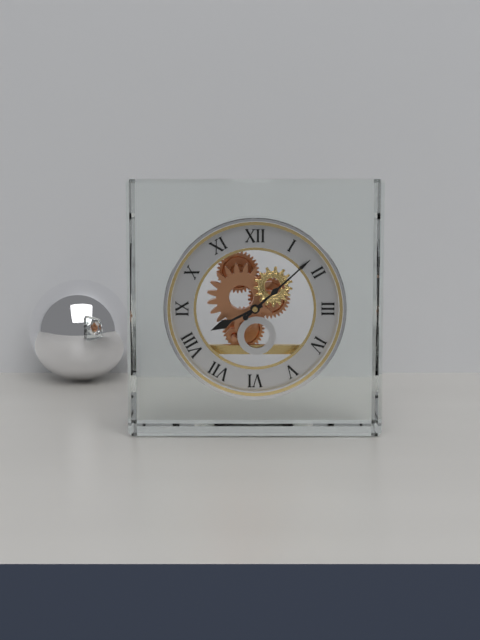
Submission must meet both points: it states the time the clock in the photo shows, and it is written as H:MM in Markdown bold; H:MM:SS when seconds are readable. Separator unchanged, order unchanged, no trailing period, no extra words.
**8:08**
